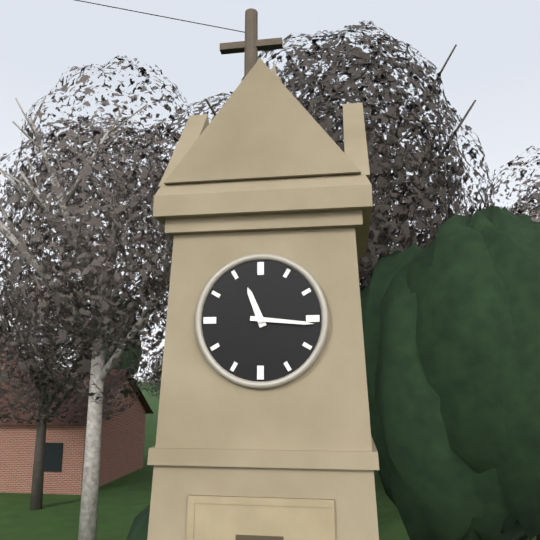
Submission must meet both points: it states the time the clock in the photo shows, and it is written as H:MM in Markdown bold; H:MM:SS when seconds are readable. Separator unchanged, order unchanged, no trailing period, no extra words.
**11:16**
